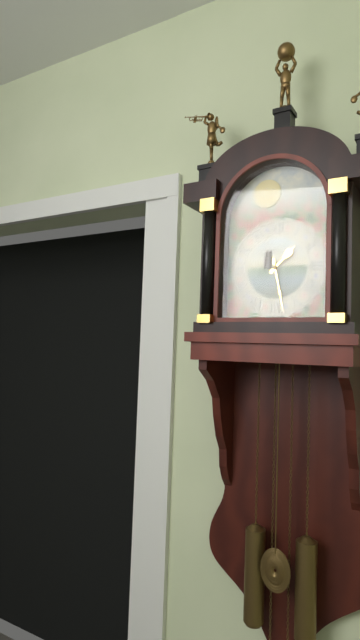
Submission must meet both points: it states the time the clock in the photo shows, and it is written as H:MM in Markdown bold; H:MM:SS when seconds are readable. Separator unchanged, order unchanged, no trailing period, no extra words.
**1:28**
